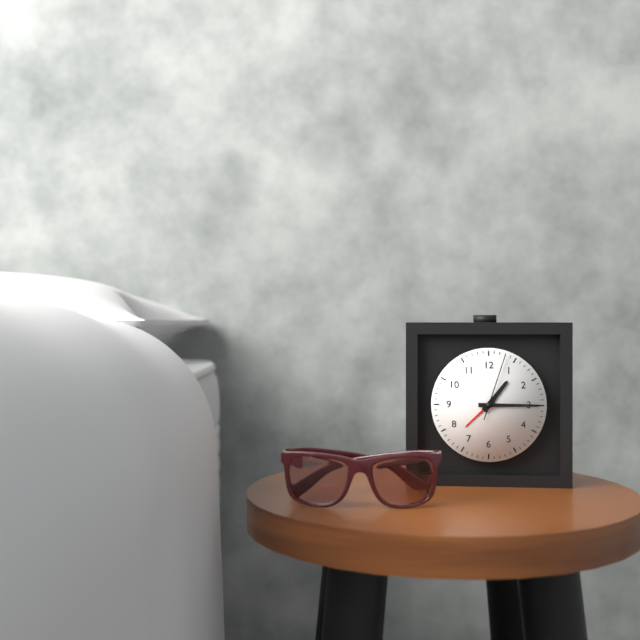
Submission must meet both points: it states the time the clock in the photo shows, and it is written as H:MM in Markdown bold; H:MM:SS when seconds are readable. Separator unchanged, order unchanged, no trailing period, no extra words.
**1:15:03**
